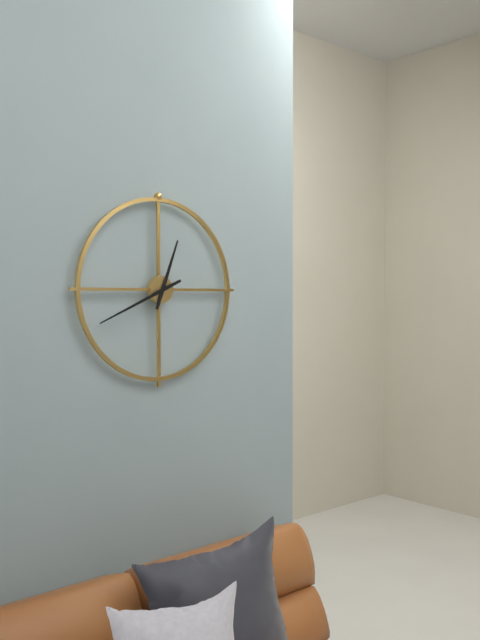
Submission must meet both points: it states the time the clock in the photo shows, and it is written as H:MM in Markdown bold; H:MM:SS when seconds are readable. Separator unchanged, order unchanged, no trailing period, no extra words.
**12:41**
